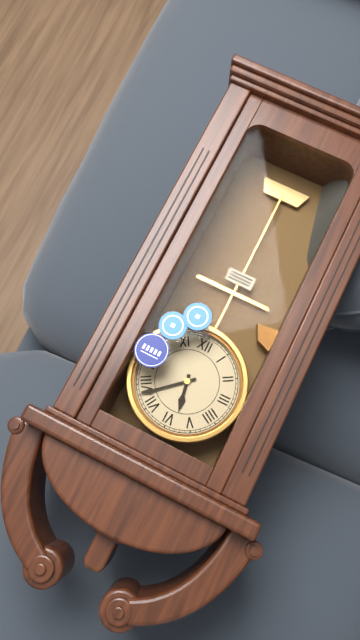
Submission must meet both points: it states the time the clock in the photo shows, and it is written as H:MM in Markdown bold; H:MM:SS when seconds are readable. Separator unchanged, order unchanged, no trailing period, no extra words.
**5:38**
